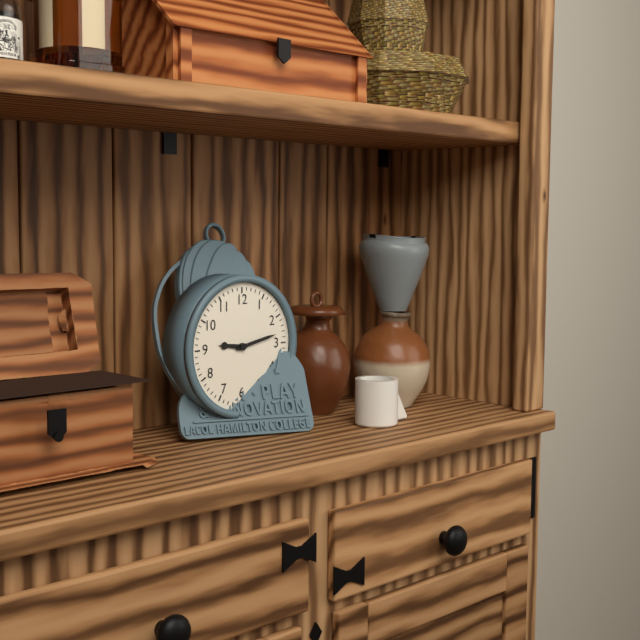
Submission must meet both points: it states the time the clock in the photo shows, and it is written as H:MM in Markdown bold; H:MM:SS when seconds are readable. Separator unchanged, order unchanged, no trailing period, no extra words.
**9:13**
